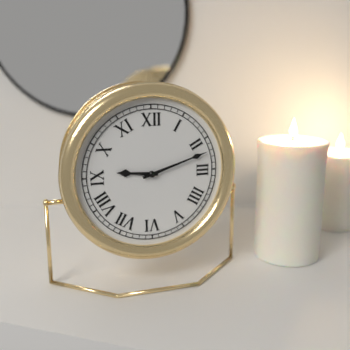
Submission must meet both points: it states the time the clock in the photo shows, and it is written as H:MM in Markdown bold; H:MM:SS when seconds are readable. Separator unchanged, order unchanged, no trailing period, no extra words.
**9:12**
